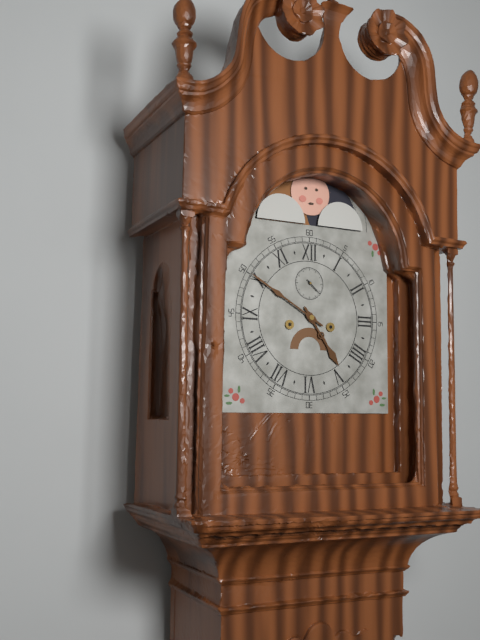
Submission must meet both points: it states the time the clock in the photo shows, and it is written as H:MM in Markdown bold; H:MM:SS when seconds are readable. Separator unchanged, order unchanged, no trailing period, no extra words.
**4:50**
